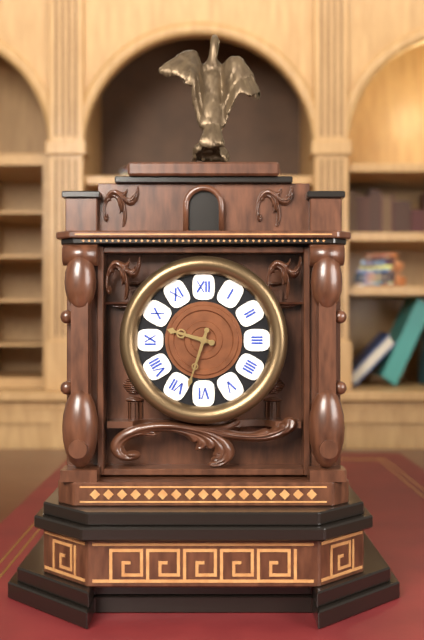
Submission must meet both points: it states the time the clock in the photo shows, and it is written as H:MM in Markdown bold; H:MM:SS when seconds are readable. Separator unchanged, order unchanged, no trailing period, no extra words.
**9:33**
